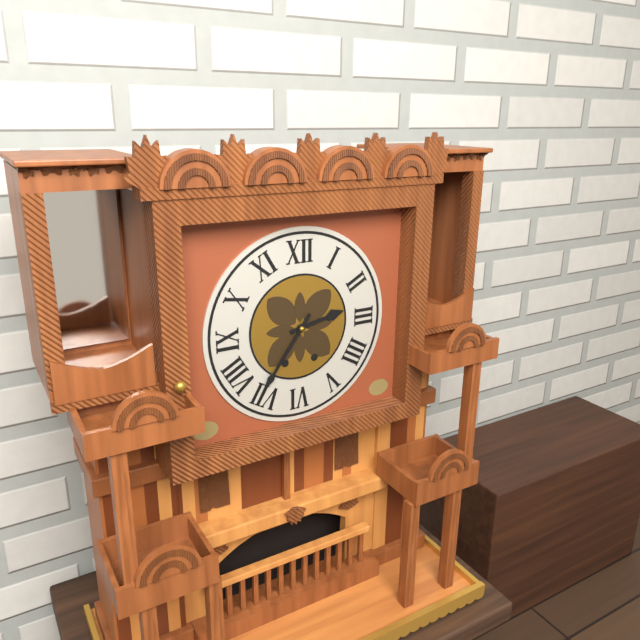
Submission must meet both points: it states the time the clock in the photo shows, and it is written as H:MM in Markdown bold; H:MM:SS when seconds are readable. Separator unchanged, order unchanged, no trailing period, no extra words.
**2:36**
